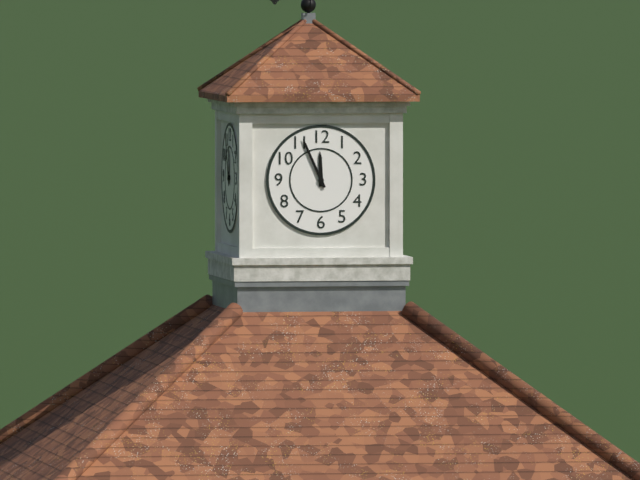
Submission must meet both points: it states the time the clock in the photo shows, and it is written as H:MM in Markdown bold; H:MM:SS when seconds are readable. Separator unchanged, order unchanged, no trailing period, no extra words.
**11:56**
